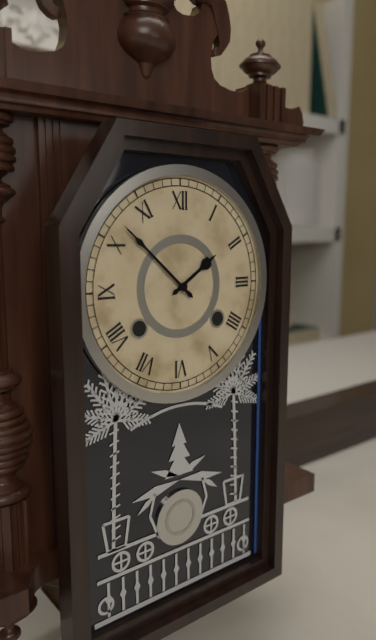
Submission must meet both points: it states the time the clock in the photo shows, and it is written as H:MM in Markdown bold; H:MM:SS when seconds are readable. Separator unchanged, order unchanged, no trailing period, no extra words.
**1:52**
